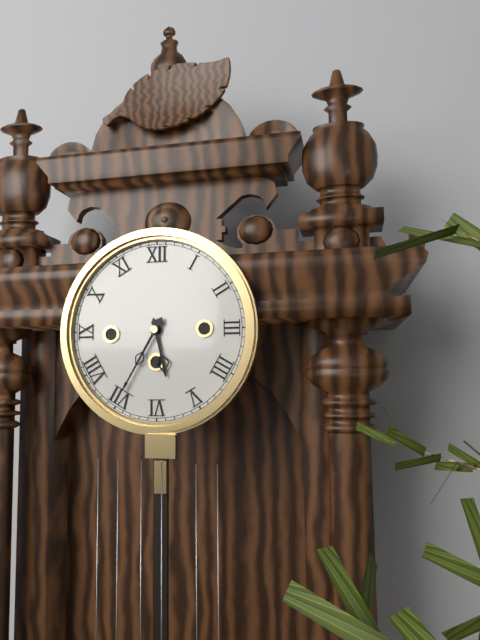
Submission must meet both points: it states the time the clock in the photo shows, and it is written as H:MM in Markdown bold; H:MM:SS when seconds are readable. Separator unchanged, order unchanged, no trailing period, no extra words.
**5:35**
